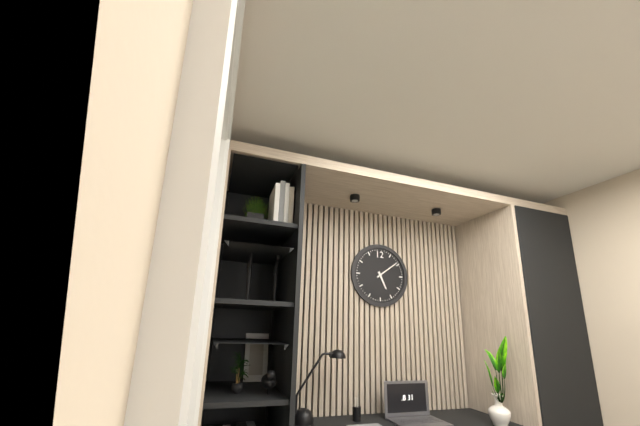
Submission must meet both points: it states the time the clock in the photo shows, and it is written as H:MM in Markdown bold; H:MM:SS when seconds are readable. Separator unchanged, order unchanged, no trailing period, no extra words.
**5:09**
